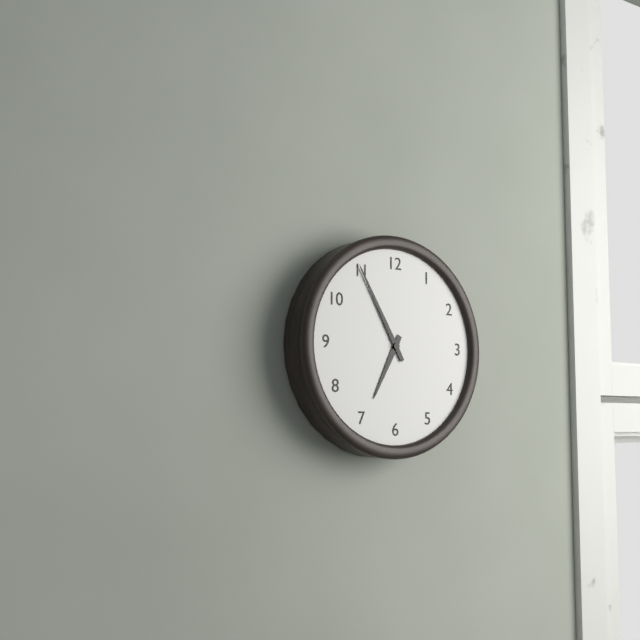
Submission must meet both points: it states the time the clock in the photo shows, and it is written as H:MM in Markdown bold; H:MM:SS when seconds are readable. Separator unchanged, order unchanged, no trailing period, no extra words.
**6:55**
